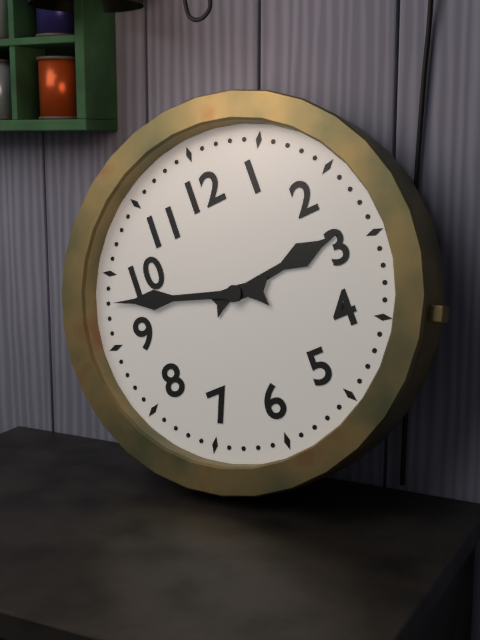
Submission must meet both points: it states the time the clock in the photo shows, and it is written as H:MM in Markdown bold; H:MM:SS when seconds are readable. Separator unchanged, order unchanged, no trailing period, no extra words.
**2:48**
